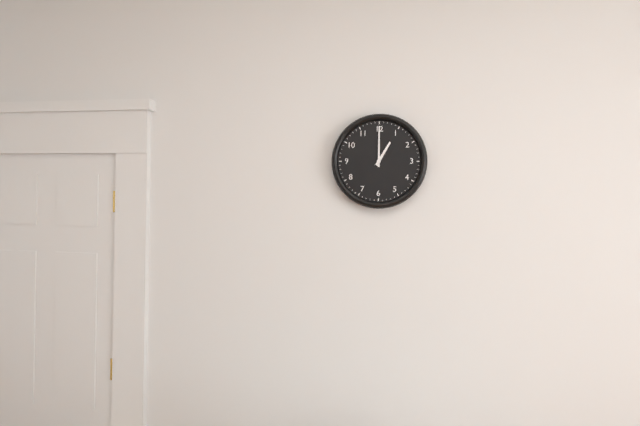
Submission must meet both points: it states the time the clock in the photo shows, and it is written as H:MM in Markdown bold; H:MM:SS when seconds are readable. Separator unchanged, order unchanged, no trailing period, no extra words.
**1:00**
